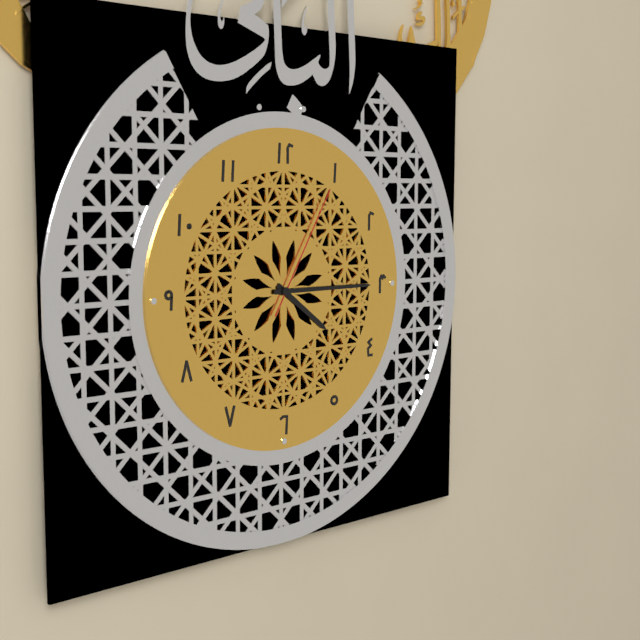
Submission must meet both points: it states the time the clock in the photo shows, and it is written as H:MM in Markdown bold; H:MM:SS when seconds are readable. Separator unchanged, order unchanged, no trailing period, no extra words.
**4:15:05**
